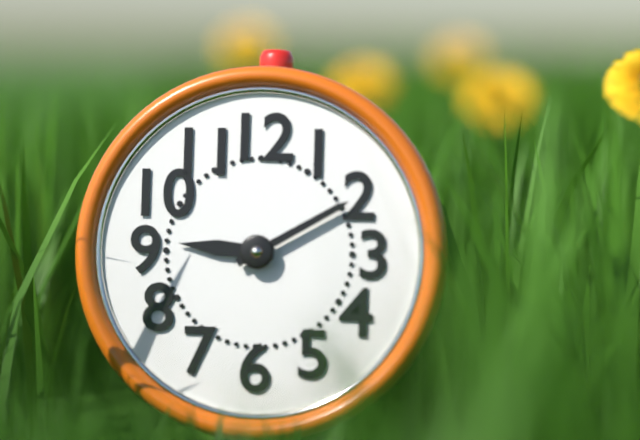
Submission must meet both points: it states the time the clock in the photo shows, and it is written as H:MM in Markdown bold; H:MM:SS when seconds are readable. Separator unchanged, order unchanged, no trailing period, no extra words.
**9:10**
